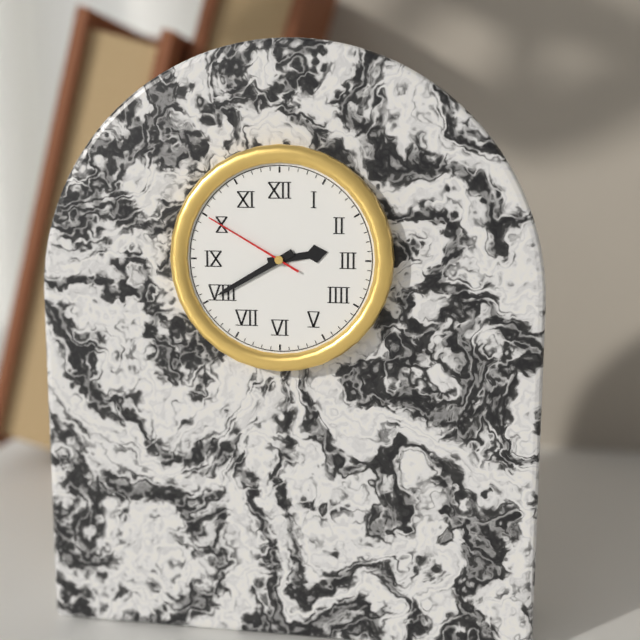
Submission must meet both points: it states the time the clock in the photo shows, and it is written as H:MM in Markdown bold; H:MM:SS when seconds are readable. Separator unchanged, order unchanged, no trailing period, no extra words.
**2:40:50**
